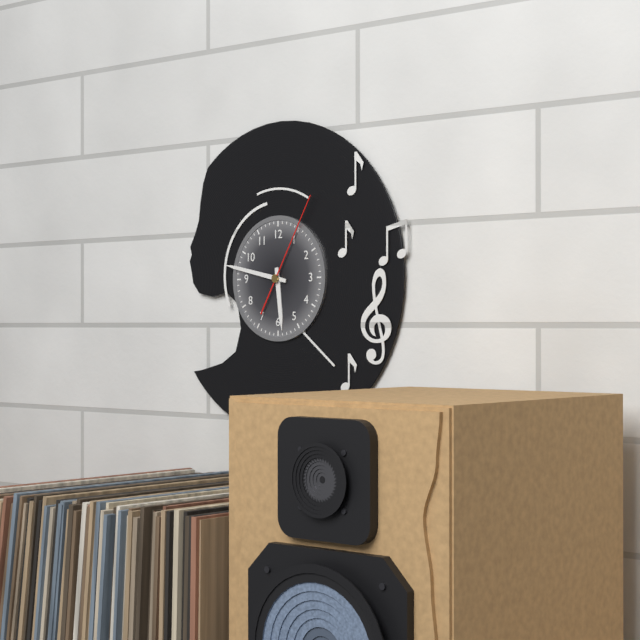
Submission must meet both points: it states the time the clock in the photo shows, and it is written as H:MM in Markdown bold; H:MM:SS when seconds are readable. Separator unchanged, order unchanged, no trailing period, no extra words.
**5:47:05**
